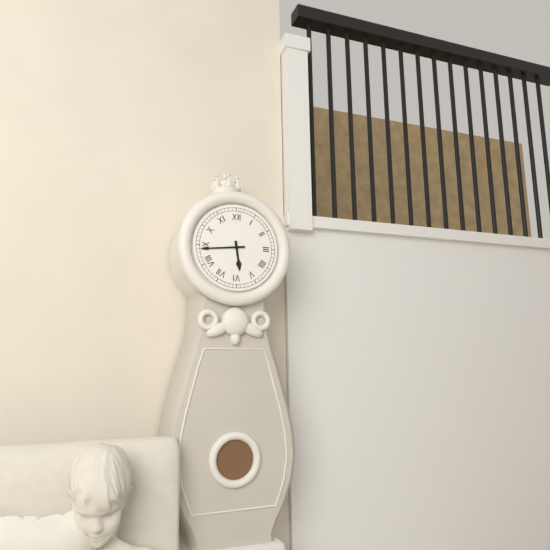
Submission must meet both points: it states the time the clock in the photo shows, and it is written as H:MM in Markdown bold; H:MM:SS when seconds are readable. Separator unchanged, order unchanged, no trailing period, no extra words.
**5:44**
